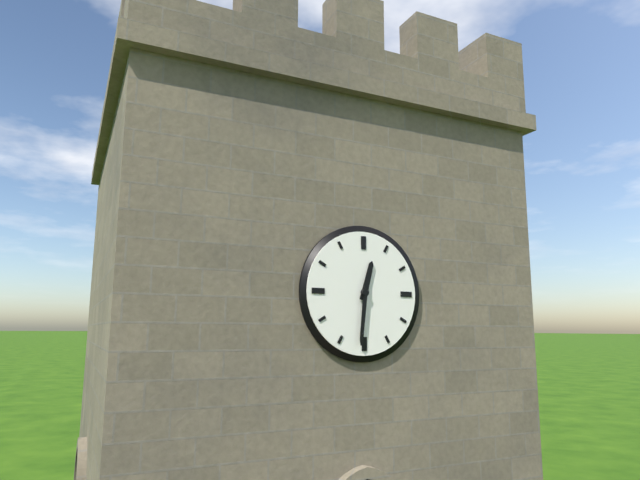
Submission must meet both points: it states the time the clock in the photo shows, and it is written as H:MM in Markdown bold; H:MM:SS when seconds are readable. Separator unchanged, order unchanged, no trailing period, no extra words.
**12:31**
